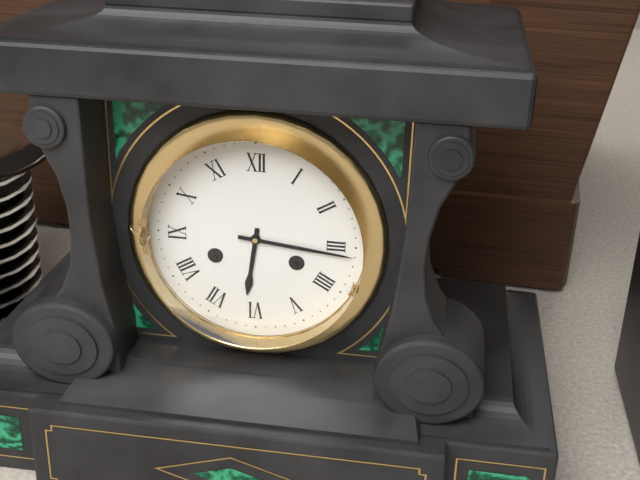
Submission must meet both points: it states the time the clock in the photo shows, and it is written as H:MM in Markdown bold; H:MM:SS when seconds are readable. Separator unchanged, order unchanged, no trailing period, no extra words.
**6:16**
